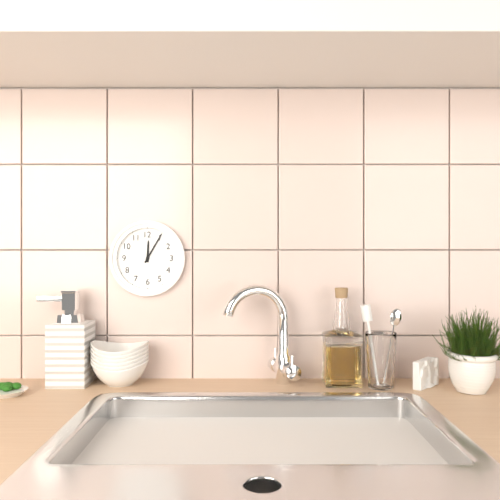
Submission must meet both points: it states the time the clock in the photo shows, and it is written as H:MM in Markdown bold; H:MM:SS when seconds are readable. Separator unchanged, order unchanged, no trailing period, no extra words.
**12:05**
